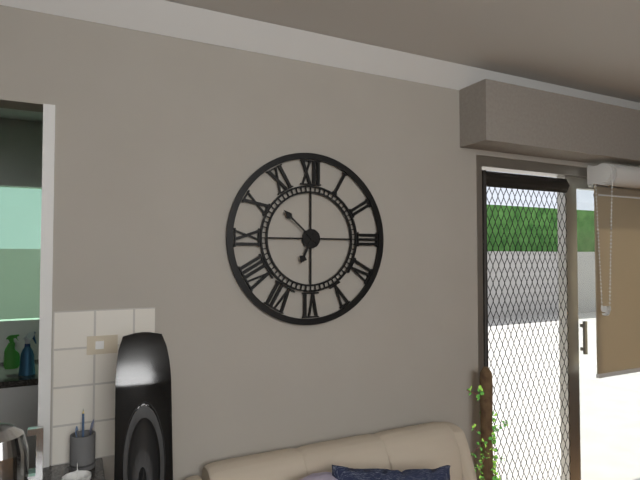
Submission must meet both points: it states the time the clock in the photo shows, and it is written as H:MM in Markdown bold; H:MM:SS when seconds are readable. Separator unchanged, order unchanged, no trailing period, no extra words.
**6:52**
